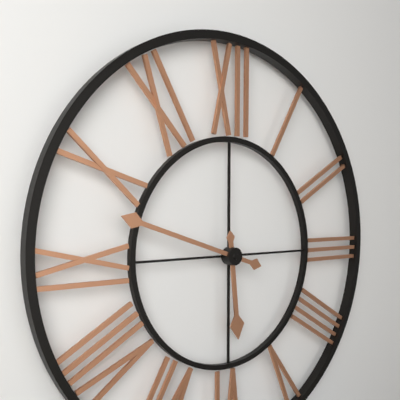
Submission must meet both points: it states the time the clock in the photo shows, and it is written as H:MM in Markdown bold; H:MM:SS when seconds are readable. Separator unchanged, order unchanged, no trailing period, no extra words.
**5:48**
